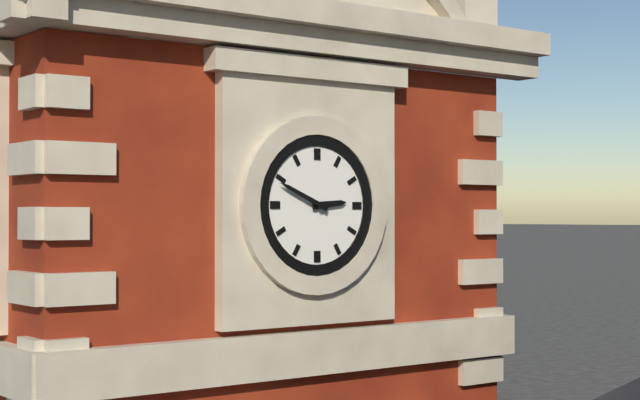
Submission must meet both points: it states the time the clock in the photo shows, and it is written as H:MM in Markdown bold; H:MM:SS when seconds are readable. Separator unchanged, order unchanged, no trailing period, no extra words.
**2:49**
